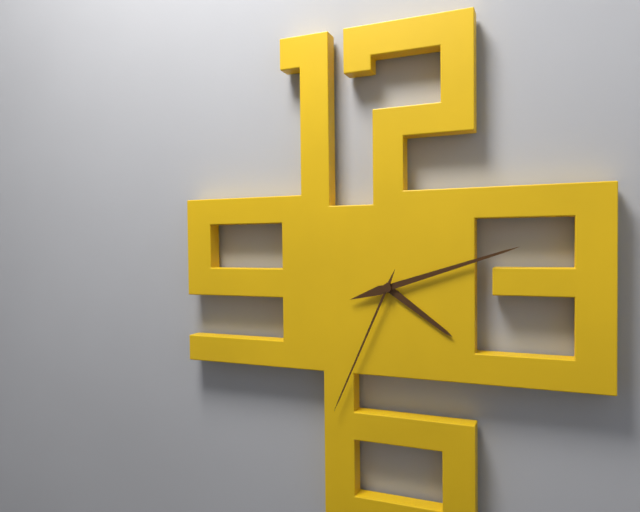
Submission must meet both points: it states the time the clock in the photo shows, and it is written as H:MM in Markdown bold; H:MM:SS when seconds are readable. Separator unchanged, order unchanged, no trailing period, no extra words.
**4:12:34**
